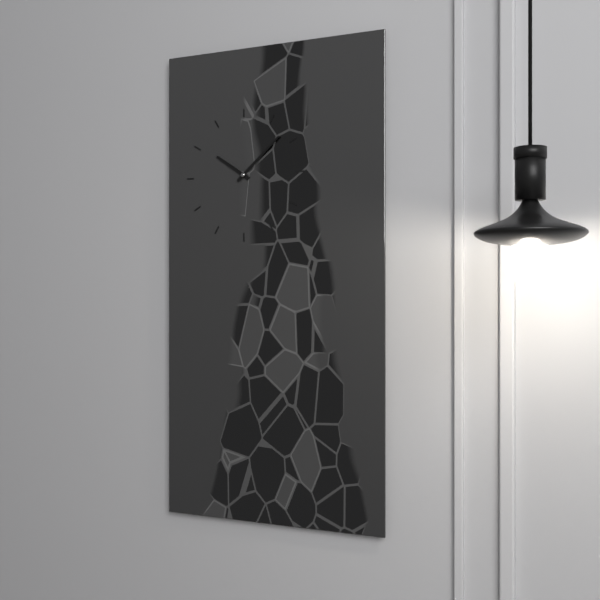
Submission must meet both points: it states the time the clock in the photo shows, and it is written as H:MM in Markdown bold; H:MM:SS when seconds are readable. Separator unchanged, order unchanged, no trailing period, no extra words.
**10:08**
